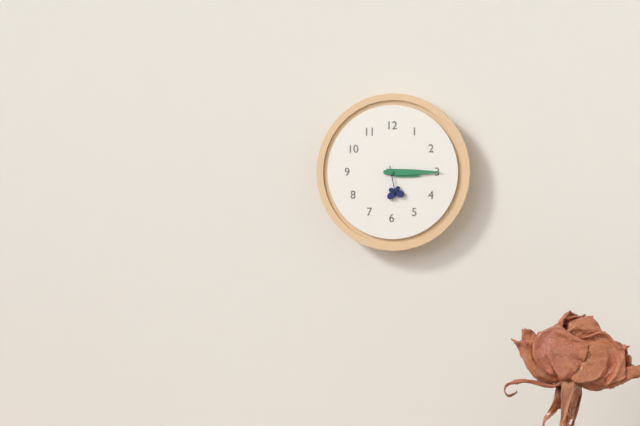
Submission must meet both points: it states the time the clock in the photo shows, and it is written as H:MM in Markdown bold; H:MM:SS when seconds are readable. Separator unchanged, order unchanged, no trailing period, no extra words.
**3:15**
